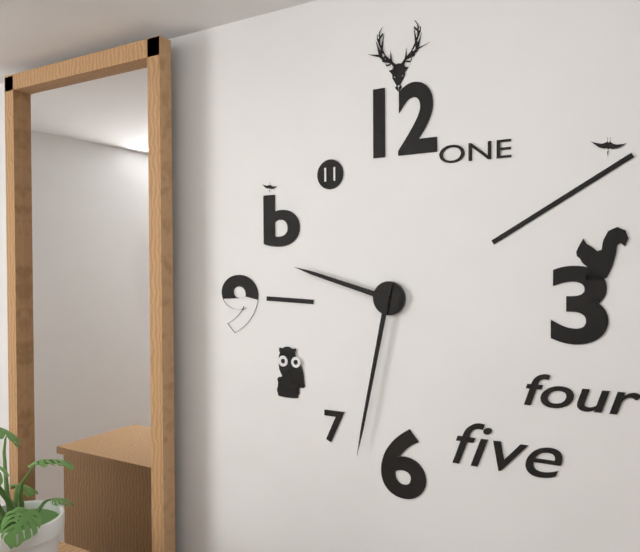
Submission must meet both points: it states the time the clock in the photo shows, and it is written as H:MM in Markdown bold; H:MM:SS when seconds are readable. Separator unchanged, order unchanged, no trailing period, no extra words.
**9:32**
